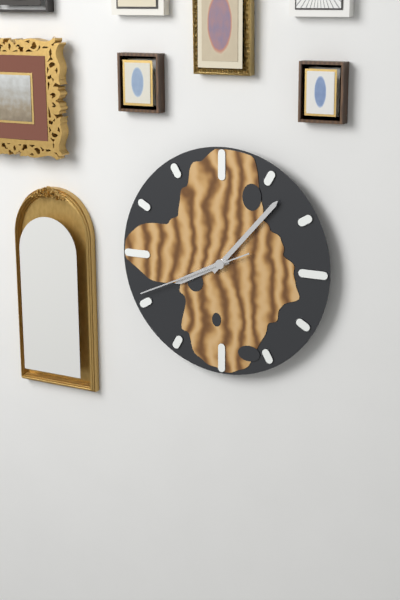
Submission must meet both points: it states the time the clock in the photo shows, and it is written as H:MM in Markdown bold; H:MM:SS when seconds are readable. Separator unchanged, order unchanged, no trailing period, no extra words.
**8:07:41**
